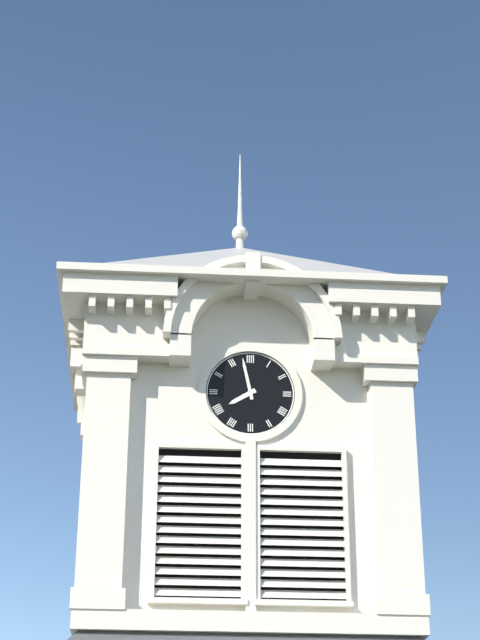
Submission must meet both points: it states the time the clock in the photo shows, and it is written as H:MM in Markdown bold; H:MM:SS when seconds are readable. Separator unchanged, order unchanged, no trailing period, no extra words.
**7:58**
